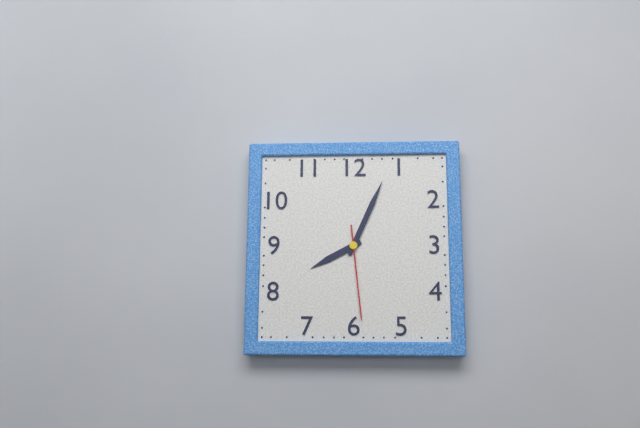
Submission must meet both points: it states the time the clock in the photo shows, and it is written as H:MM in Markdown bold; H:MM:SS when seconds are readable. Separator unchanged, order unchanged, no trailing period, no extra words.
**8:04:29**
